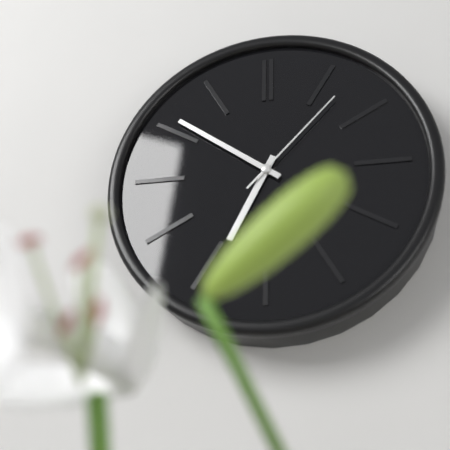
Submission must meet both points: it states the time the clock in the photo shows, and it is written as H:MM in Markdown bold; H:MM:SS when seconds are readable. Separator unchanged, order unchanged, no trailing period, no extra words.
**6:51:07**
